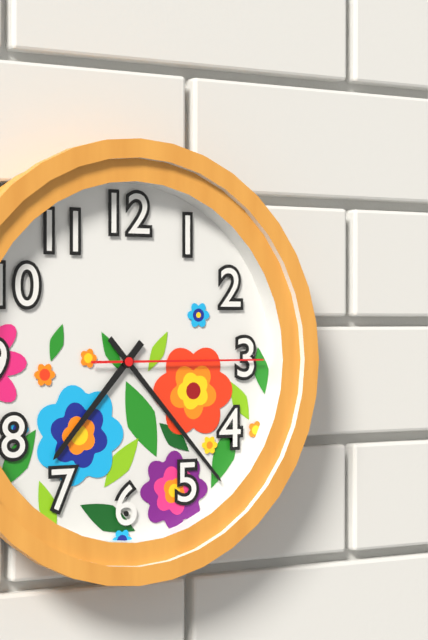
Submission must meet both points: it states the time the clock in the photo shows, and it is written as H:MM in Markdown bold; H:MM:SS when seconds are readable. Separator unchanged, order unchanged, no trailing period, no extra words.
**7:23:15**
